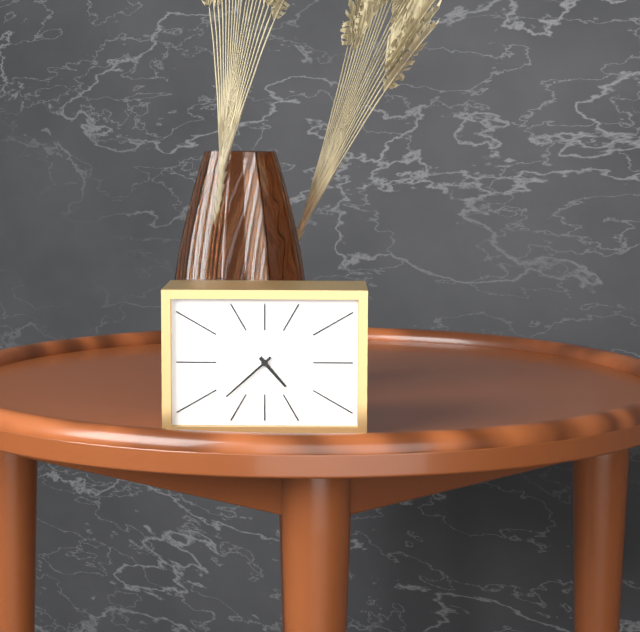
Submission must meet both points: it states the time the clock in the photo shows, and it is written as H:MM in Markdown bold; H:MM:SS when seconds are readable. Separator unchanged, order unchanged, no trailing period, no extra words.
**4:38**
